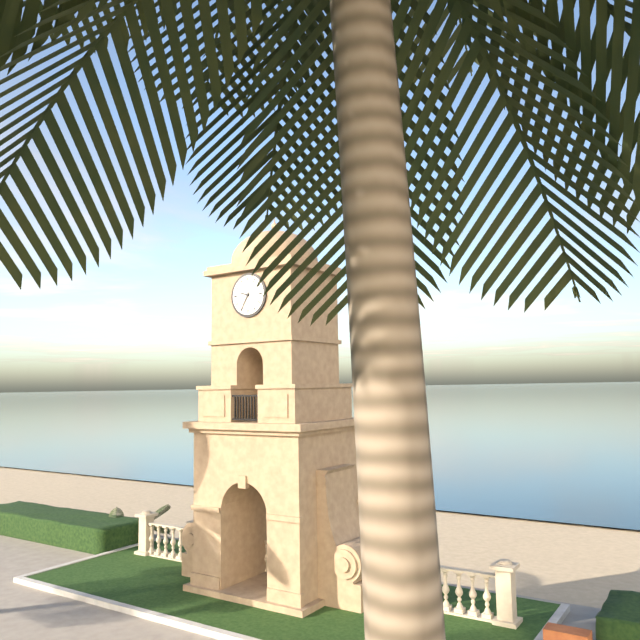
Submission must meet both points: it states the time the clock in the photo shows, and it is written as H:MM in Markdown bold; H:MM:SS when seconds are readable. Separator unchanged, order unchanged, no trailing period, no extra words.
**9:35**
